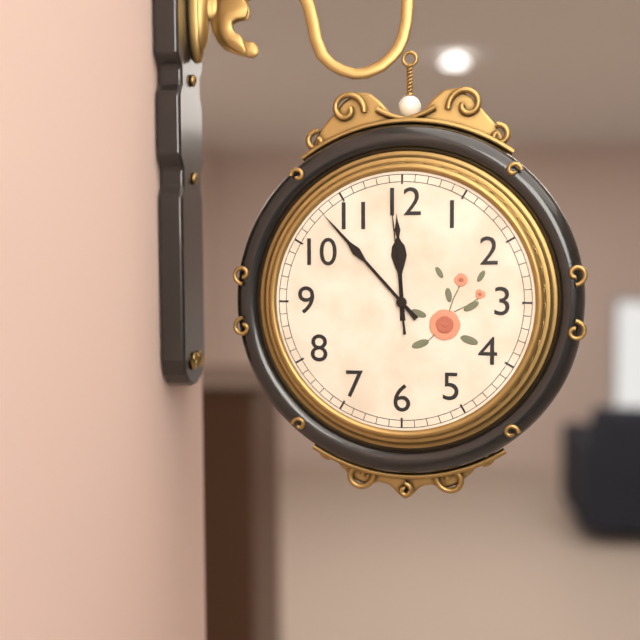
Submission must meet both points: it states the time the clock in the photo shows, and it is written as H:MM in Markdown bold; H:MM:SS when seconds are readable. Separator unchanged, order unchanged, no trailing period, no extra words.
**11:53:59**
